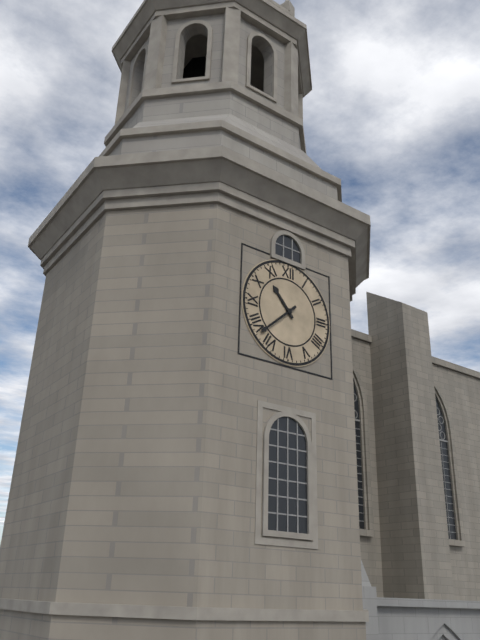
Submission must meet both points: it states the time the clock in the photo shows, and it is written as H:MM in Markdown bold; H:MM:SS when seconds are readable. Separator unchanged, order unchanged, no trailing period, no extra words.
**10:38**
